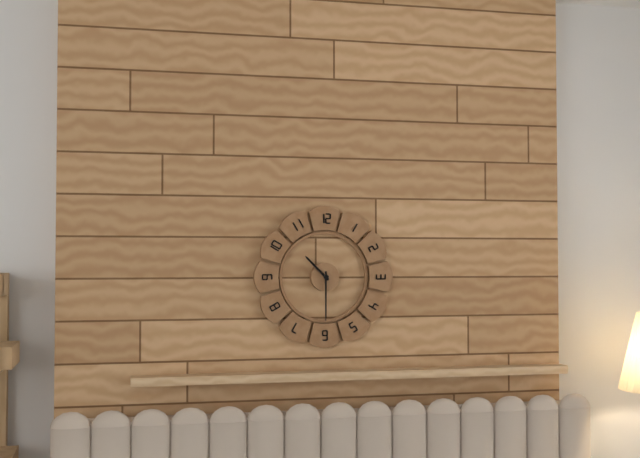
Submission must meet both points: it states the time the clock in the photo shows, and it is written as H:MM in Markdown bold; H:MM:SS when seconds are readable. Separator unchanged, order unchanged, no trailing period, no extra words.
**10:30**
